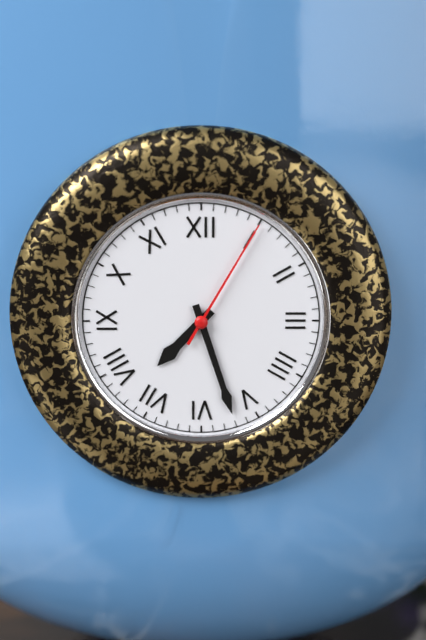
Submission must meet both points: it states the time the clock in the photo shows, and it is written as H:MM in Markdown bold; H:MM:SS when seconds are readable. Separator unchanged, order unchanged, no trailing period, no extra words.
**7:27:05**
